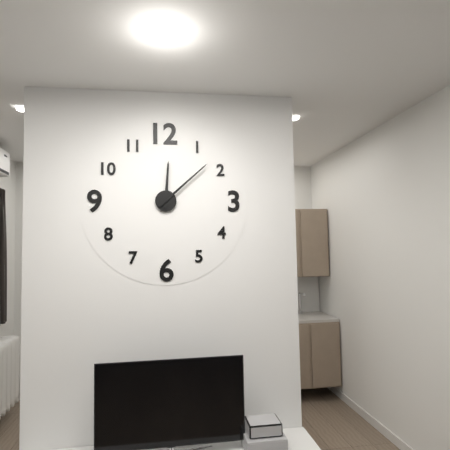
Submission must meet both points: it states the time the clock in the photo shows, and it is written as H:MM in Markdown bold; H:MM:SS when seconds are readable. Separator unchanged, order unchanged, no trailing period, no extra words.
**12:08**
